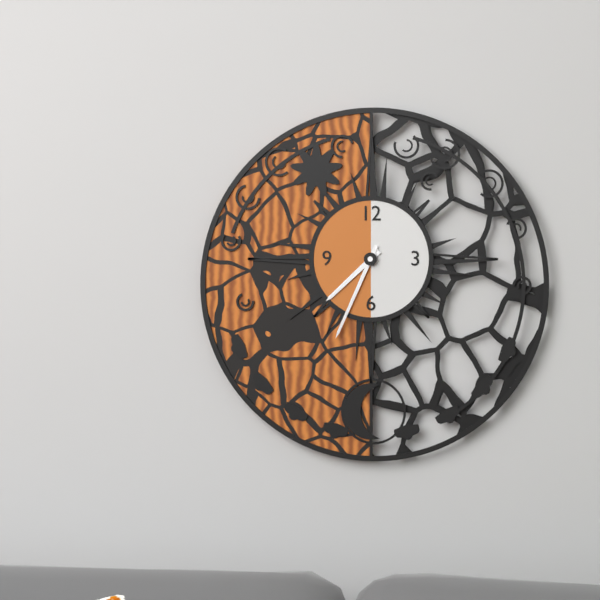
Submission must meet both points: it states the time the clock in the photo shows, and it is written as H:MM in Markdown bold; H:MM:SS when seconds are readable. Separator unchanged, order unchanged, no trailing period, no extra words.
**7:34**
